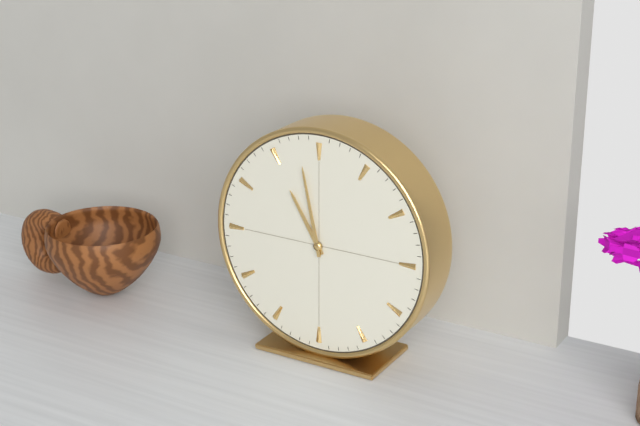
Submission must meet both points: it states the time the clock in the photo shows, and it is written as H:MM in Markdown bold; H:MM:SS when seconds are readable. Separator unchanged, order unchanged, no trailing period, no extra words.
**10:58**
